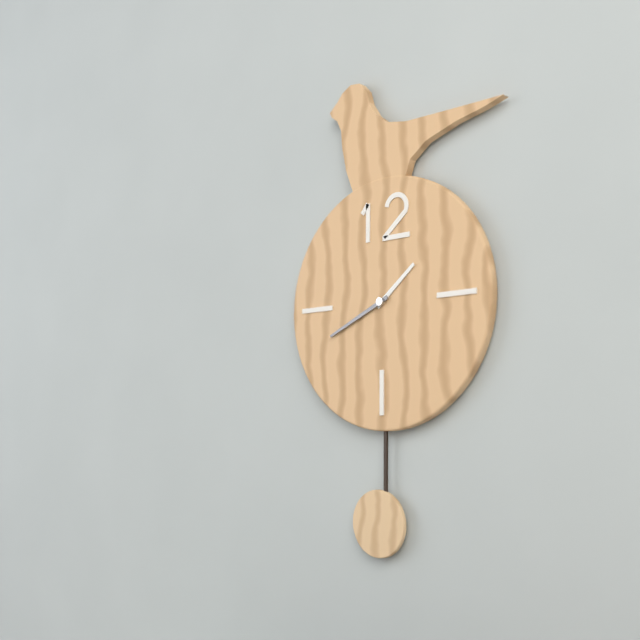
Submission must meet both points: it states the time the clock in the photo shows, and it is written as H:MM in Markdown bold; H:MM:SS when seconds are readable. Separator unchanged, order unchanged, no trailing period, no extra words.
**1:41**
